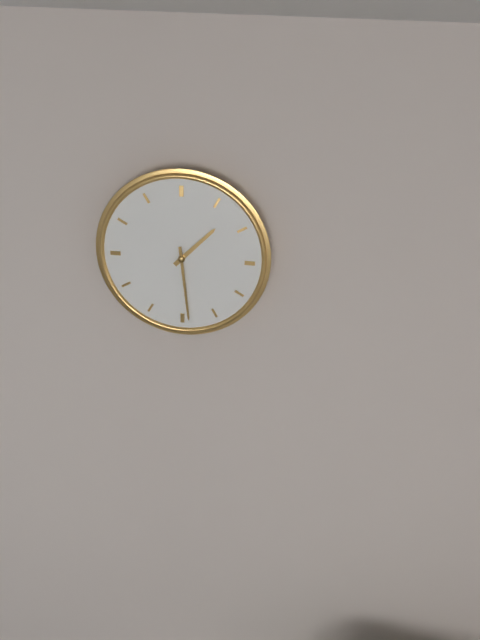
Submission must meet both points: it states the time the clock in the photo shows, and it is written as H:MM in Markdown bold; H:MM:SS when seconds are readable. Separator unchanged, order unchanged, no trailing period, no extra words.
**1:29**
